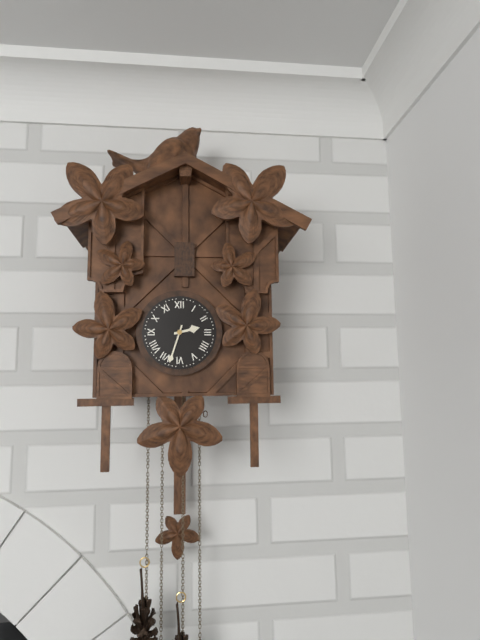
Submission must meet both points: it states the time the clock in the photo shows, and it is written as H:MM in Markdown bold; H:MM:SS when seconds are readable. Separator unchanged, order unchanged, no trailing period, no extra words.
**2:33**
